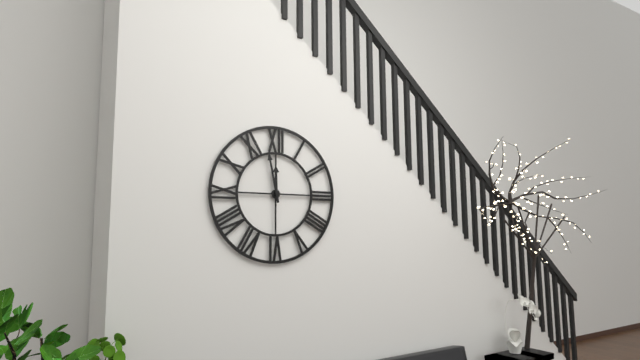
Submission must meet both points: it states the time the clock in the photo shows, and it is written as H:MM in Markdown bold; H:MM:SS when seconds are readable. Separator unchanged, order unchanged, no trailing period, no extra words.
**11:58**
